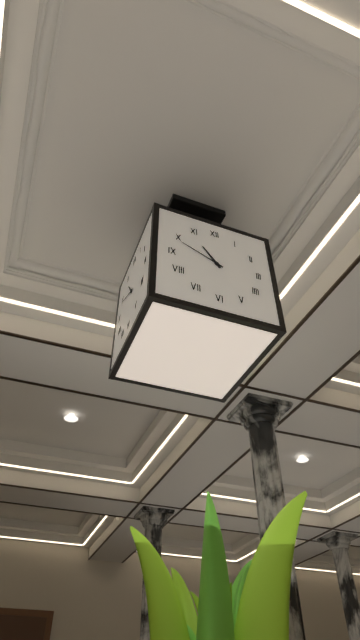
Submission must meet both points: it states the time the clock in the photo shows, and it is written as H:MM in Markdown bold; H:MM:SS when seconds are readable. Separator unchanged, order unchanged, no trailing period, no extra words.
**10:49**
